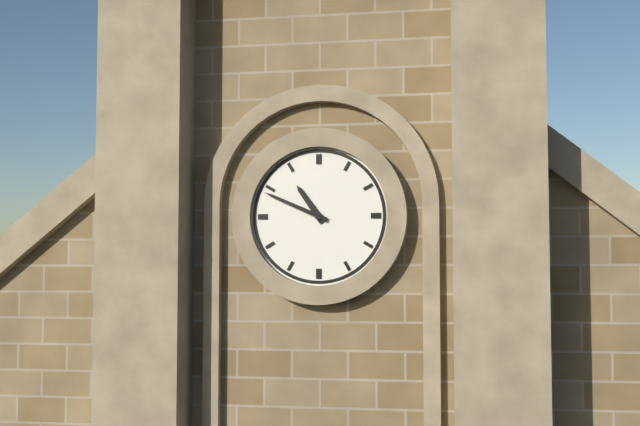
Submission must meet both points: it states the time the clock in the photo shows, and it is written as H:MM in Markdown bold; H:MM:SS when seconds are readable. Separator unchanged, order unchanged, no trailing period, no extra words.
**10:49**
